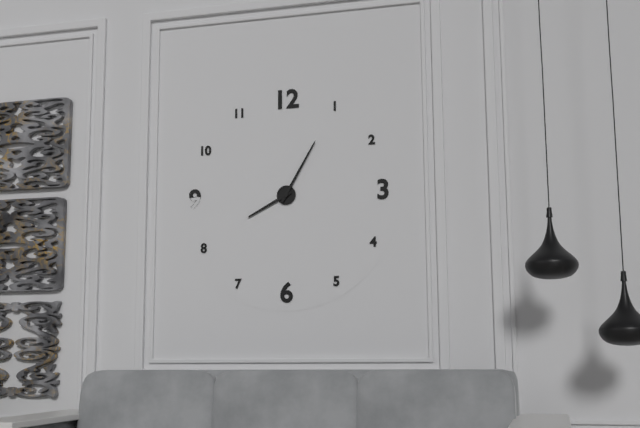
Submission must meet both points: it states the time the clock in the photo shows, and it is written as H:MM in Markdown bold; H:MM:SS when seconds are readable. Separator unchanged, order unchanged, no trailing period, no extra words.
**8:05**
